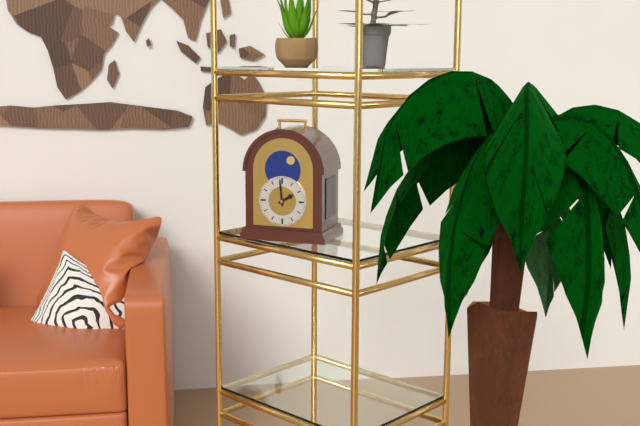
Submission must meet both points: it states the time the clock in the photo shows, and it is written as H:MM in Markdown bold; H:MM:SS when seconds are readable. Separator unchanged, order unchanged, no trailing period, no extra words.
**1:59**
